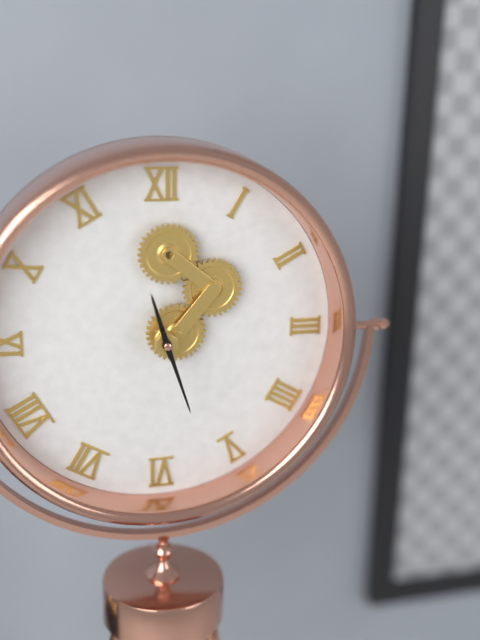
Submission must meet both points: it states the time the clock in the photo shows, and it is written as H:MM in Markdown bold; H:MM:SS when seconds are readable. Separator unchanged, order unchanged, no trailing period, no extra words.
**11:27**
